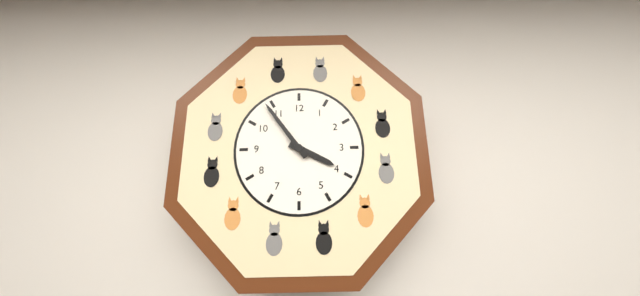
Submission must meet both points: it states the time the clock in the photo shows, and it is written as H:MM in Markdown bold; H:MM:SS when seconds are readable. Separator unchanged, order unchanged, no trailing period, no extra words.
**3:54**
